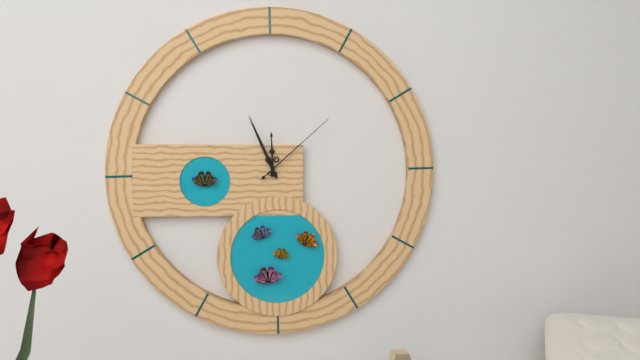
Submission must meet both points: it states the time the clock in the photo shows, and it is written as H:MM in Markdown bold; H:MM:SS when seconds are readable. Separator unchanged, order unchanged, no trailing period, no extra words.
**11:56:08**
